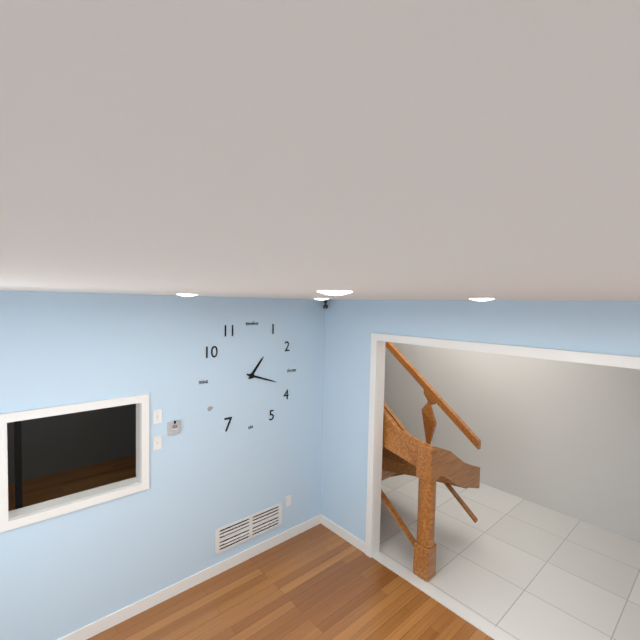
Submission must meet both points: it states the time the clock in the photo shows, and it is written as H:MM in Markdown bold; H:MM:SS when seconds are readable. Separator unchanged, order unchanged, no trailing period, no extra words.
**1:18**
